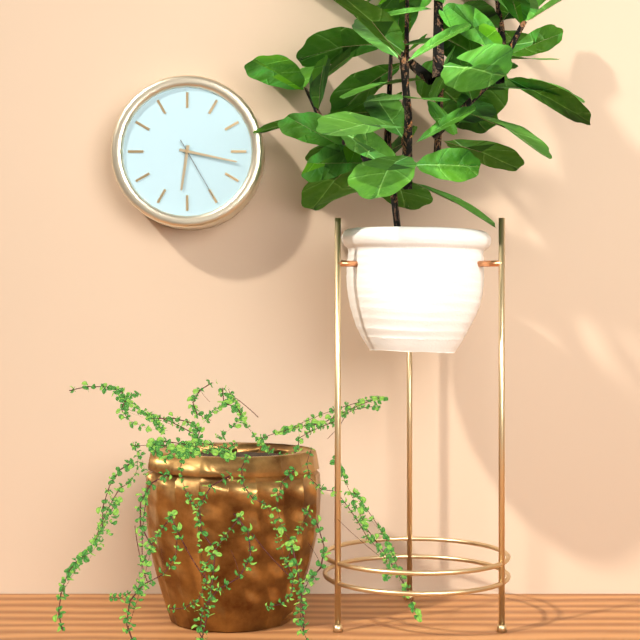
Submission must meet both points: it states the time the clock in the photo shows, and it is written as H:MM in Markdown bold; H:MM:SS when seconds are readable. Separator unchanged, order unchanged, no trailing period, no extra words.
**6:17:25**
